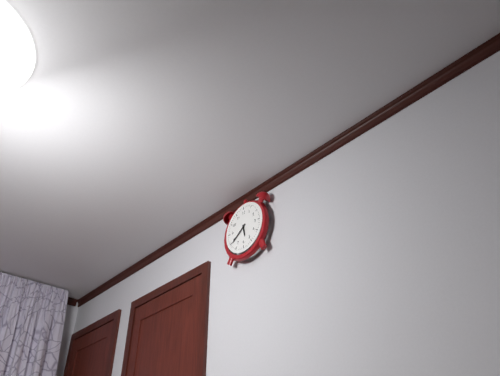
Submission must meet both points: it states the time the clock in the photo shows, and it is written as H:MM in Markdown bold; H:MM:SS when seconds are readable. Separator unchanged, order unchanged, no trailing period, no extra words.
**5:39**
